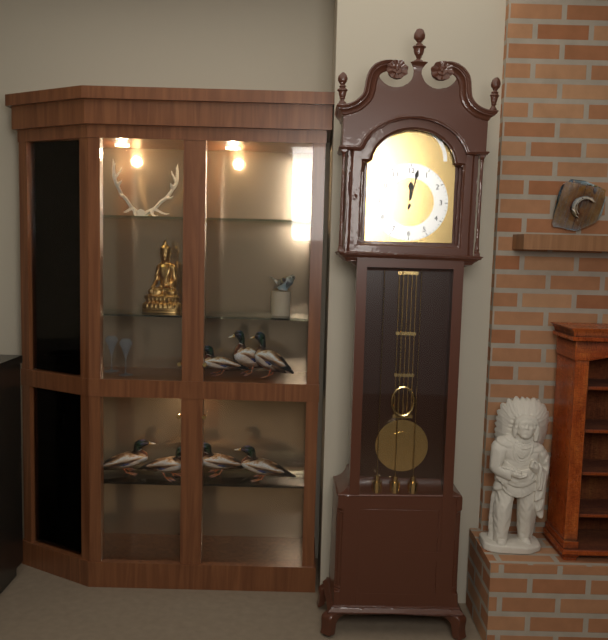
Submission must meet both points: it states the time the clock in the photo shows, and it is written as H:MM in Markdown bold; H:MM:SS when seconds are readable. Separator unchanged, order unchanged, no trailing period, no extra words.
**12:02**
